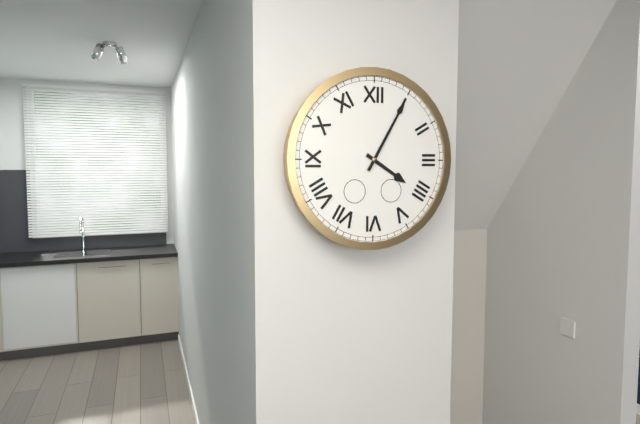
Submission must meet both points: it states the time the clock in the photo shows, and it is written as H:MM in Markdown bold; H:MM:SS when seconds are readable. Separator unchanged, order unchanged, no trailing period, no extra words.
**4:05**
